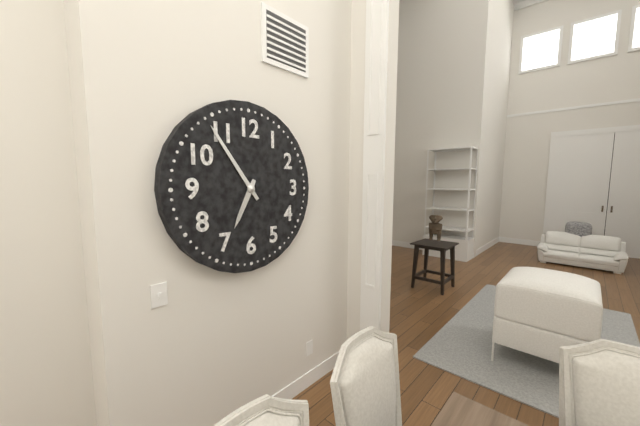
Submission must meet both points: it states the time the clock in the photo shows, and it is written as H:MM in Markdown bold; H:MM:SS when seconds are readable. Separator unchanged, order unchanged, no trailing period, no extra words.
**6:54**
